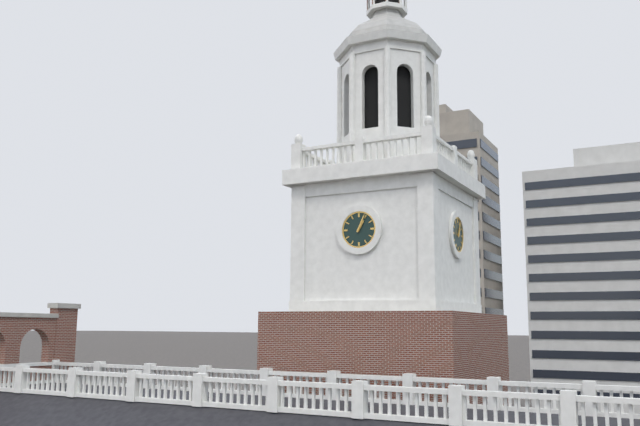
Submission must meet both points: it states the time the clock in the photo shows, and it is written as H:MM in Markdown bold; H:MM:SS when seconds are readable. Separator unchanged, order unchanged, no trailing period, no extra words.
**1:04**
